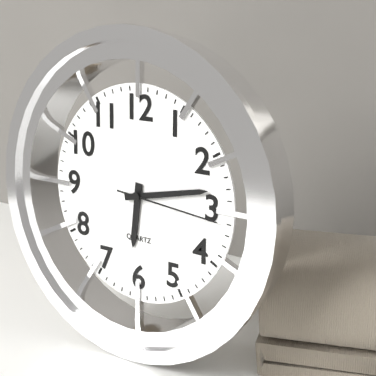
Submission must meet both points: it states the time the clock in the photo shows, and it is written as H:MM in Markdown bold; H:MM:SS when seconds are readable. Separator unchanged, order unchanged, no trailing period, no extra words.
**6:13:16**
